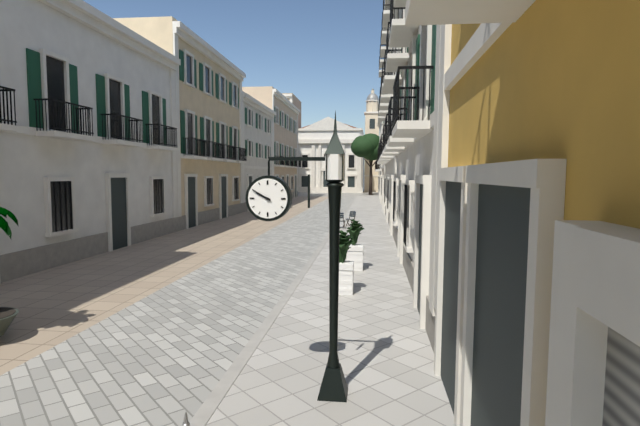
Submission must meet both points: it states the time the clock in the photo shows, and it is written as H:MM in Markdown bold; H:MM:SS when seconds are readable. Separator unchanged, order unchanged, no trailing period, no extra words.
**9:50**
